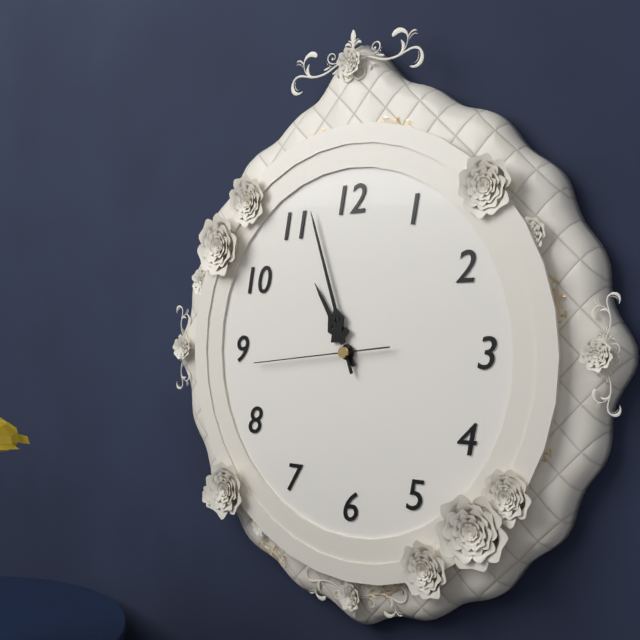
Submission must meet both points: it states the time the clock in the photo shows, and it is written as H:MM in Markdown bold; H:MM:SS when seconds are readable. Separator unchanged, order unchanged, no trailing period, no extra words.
**10:57:44**
